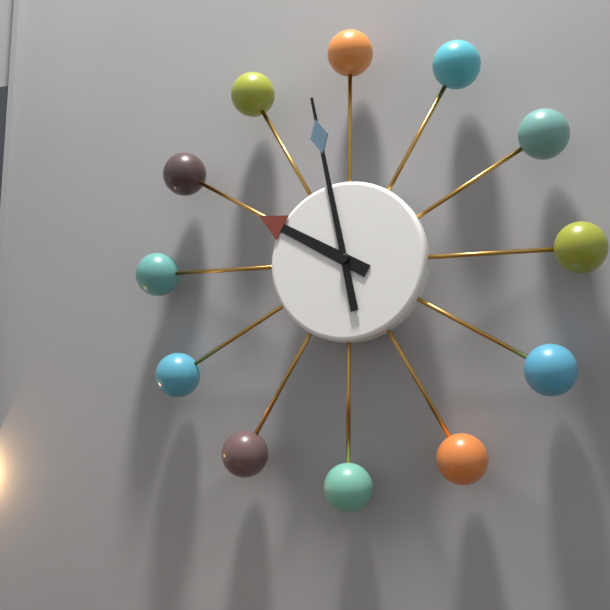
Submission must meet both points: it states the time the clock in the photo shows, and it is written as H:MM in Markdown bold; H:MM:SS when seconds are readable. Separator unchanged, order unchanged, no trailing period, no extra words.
**9:58**
